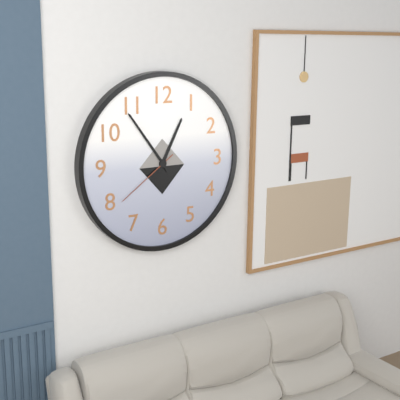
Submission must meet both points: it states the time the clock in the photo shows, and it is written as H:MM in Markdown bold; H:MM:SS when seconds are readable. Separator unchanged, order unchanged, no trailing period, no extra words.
**12:54:39**
